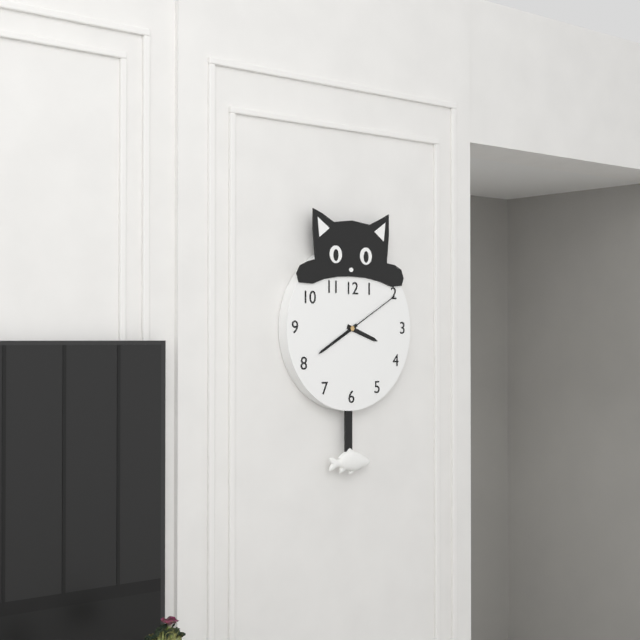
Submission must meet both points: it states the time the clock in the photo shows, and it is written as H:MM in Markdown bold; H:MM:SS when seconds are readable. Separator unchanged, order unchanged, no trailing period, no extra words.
**3:40:10**
